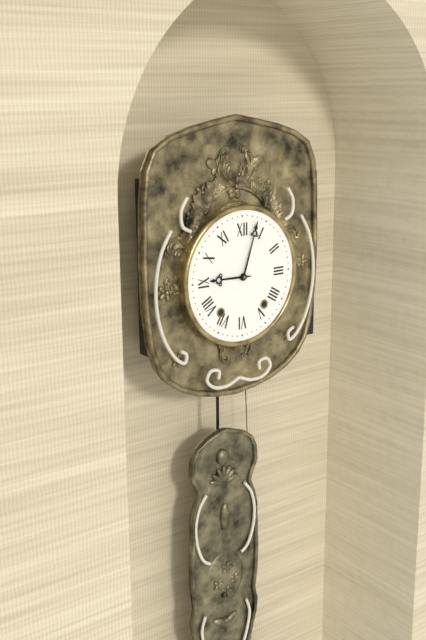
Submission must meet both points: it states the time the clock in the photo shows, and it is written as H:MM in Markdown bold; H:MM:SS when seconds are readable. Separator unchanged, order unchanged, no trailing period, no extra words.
**9:03**
